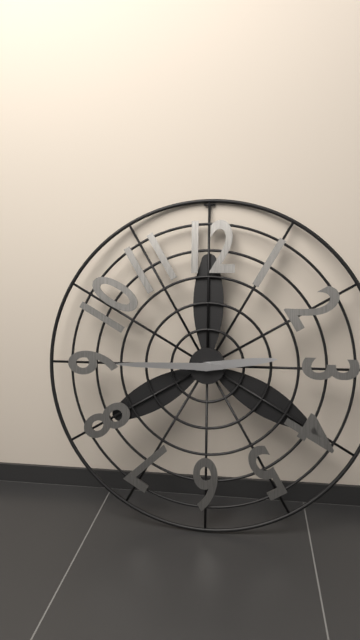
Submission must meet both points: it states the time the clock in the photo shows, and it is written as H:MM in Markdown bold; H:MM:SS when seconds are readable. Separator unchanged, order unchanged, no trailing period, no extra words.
**2:45**
